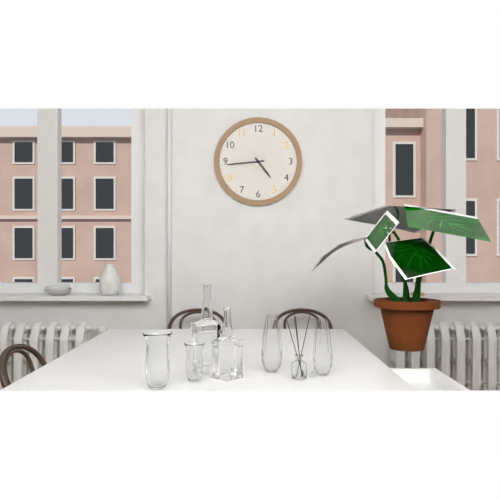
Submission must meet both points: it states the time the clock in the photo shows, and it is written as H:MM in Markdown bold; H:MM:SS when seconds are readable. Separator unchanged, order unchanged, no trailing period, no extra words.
**4:44**
